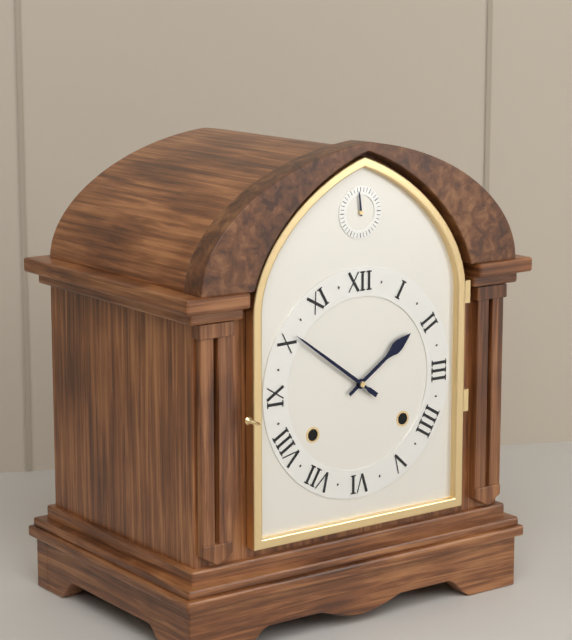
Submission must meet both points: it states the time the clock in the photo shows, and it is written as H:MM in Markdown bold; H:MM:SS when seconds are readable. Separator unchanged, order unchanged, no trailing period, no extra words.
**1:51**
